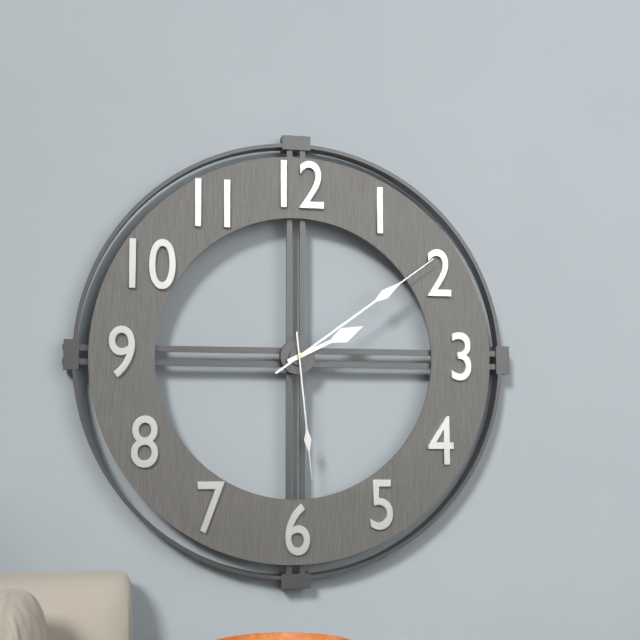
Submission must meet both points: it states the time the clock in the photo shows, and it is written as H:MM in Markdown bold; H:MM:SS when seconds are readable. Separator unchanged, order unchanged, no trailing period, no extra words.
**2:09:29**
